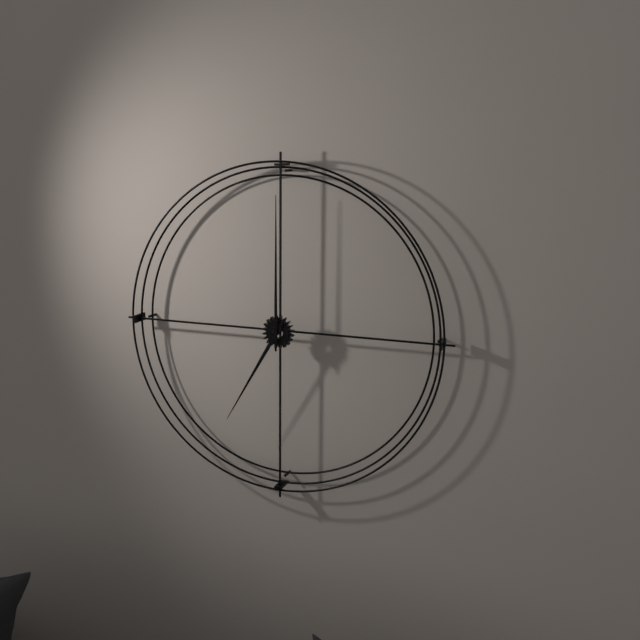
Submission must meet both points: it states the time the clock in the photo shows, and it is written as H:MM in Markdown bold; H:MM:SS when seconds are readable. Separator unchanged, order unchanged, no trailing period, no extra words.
**7:00**
